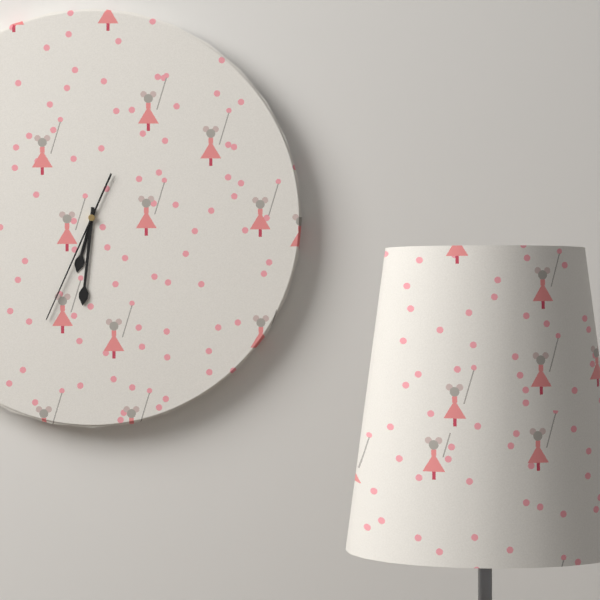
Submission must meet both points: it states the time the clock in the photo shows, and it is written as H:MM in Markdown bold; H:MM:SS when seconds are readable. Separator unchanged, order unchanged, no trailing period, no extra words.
**6:31:34**
